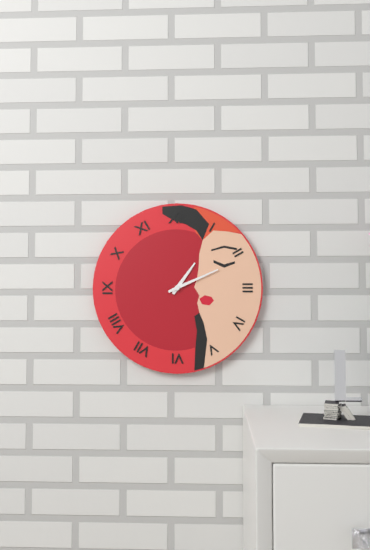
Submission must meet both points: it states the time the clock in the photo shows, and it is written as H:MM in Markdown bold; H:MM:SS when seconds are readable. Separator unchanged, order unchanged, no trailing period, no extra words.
**1:11**
